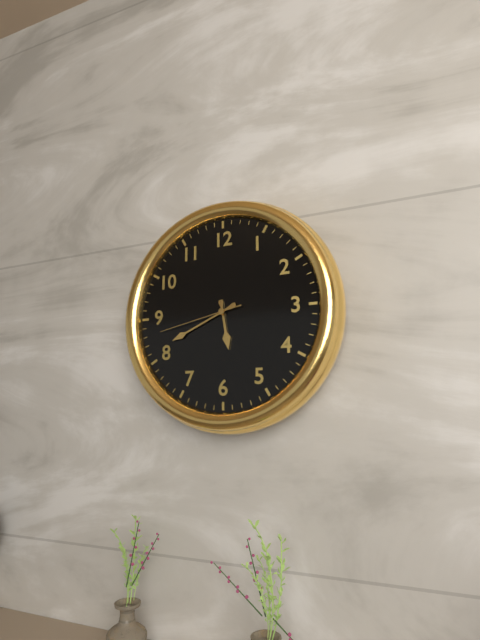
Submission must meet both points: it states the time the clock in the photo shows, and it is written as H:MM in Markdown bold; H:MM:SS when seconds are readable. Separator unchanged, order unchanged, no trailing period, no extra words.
**5:41:43**
